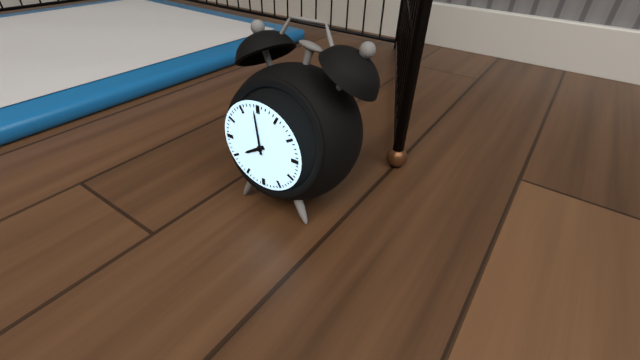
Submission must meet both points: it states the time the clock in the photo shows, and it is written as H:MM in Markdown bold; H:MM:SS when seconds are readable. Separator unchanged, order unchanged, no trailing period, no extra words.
**7:59**
